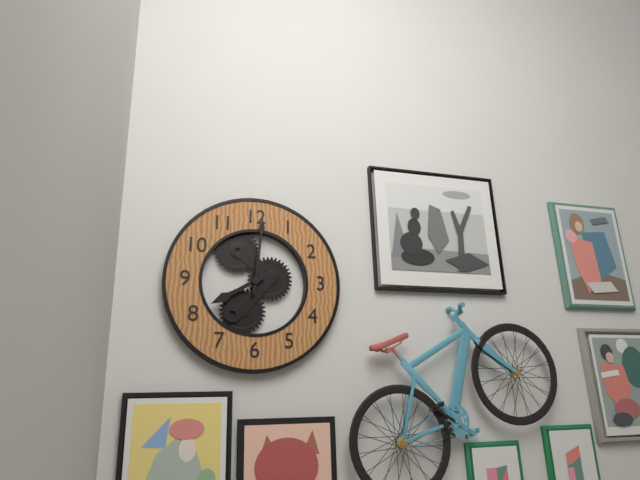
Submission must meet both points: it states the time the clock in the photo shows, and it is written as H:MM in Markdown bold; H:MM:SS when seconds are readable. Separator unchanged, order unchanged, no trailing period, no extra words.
**8:01**
